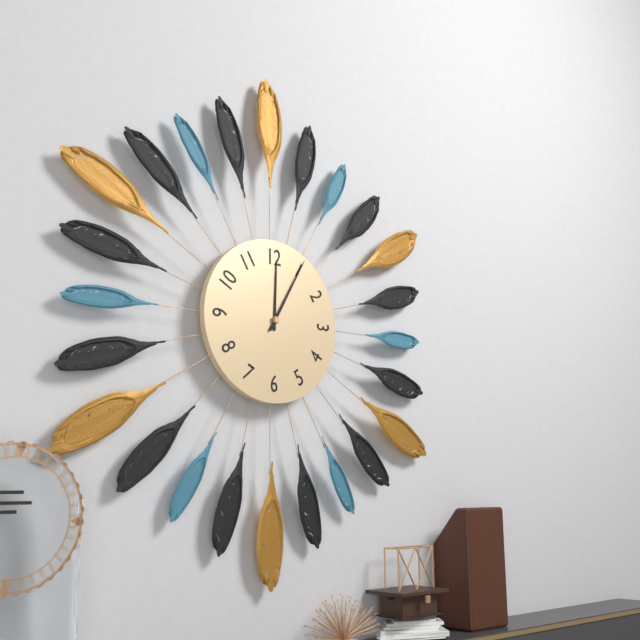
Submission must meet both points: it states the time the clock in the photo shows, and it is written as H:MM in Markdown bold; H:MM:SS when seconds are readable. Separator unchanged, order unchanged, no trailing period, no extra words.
**12:05**
